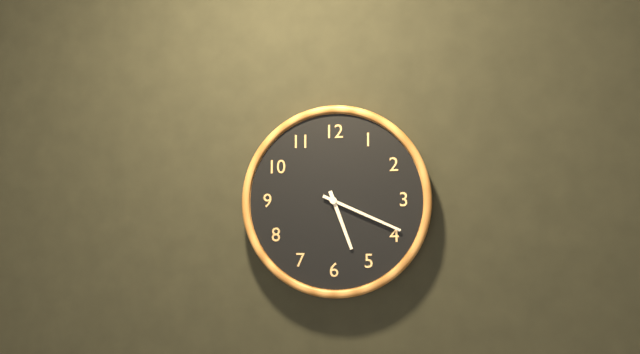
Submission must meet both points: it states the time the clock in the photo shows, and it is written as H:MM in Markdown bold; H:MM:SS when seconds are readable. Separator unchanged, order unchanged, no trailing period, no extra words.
**5:19**
